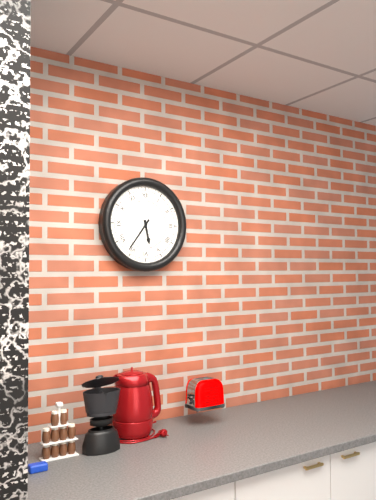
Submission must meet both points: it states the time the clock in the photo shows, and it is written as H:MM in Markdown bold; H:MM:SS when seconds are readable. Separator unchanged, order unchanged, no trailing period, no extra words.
**5:36**
